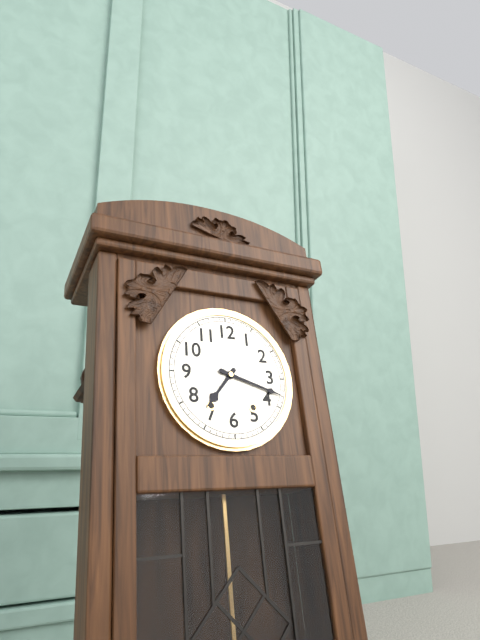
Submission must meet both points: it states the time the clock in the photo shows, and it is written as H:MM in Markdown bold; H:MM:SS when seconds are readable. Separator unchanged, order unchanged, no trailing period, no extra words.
**7:18**
